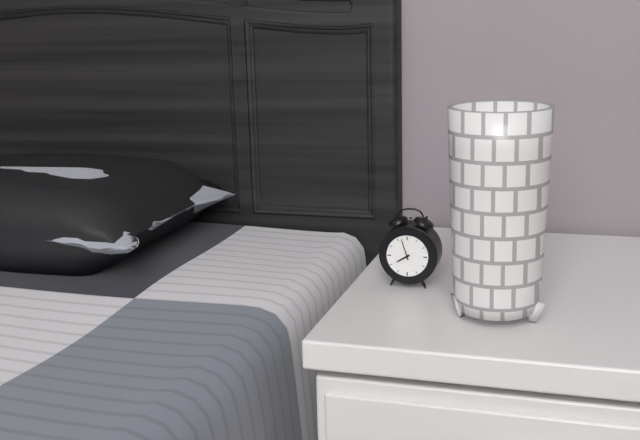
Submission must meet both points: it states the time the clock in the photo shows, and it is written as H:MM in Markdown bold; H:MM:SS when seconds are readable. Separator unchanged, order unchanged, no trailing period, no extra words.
**7:57**
